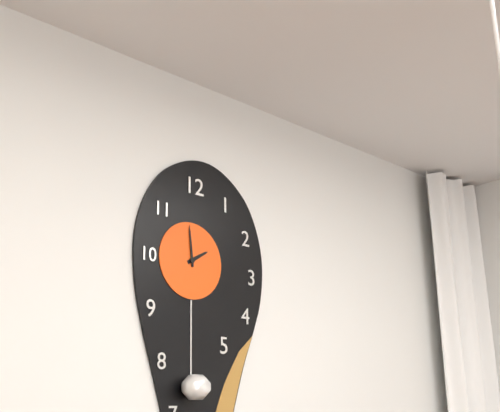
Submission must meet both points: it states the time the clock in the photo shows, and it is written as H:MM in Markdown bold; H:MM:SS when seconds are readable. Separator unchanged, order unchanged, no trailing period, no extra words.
**1:59**
